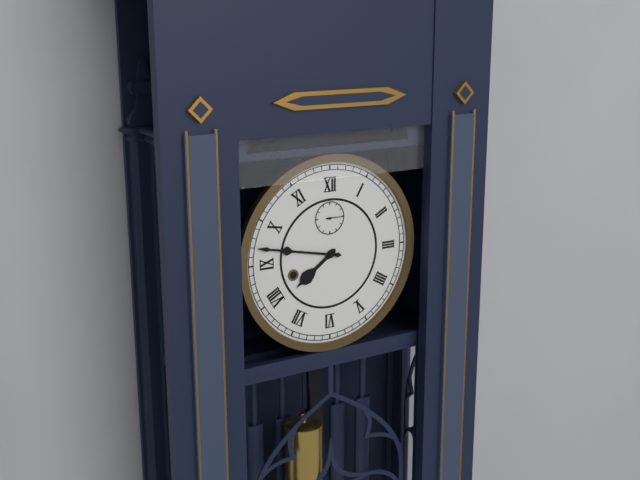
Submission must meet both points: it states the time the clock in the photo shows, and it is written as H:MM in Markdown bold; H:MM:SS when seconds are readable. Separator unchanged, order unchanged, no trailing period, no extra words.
**7:47**
